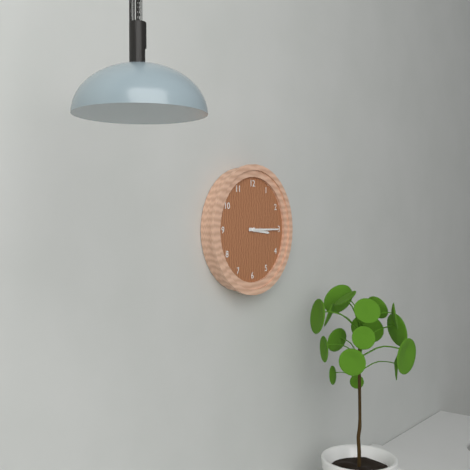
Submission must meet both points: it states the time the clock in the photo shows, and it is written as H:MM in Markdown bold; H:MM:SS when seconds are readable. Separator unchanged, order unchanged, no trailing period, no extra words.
**3:15**
